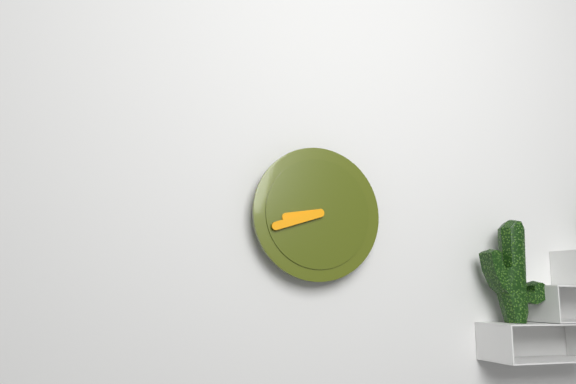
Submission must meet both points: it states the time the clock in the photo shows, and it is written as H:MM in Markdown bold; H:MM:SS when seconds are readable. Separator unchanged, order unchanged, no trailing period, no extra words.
**8:42**
